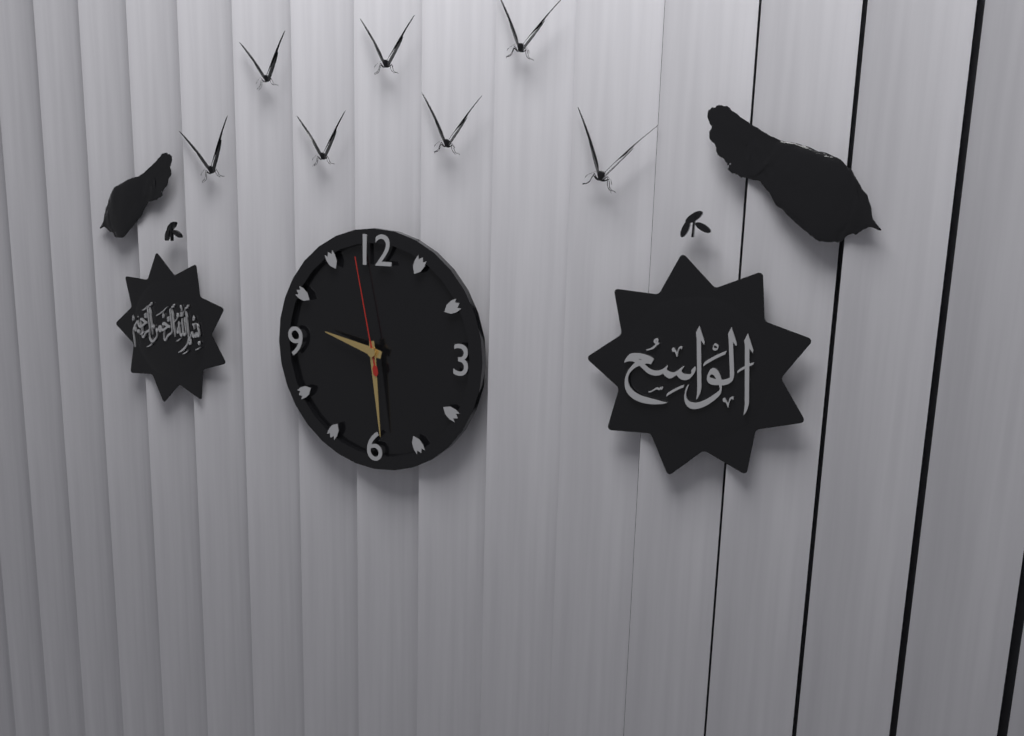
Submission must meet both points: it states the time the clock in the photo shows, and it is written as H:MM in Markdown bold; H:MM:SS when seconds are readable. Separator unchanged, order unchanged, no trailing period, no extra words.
**9:29:58**
